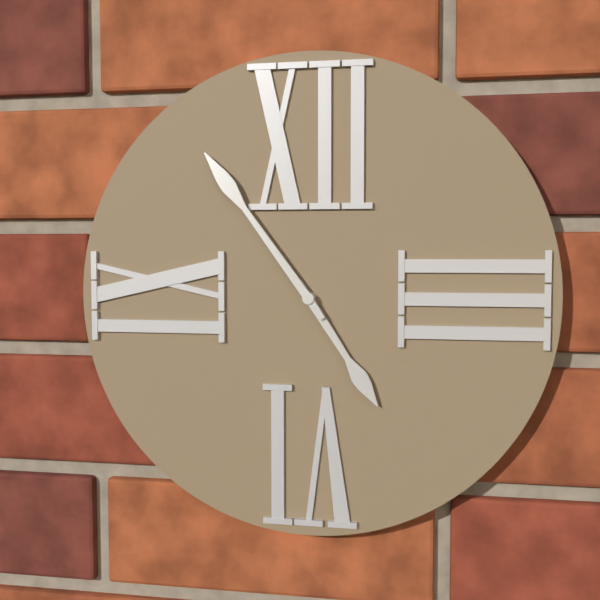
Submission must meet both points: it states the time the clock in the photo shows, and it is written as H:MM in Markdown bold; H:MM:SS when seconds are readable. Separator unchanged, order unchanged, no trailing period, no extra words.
**4:54**
